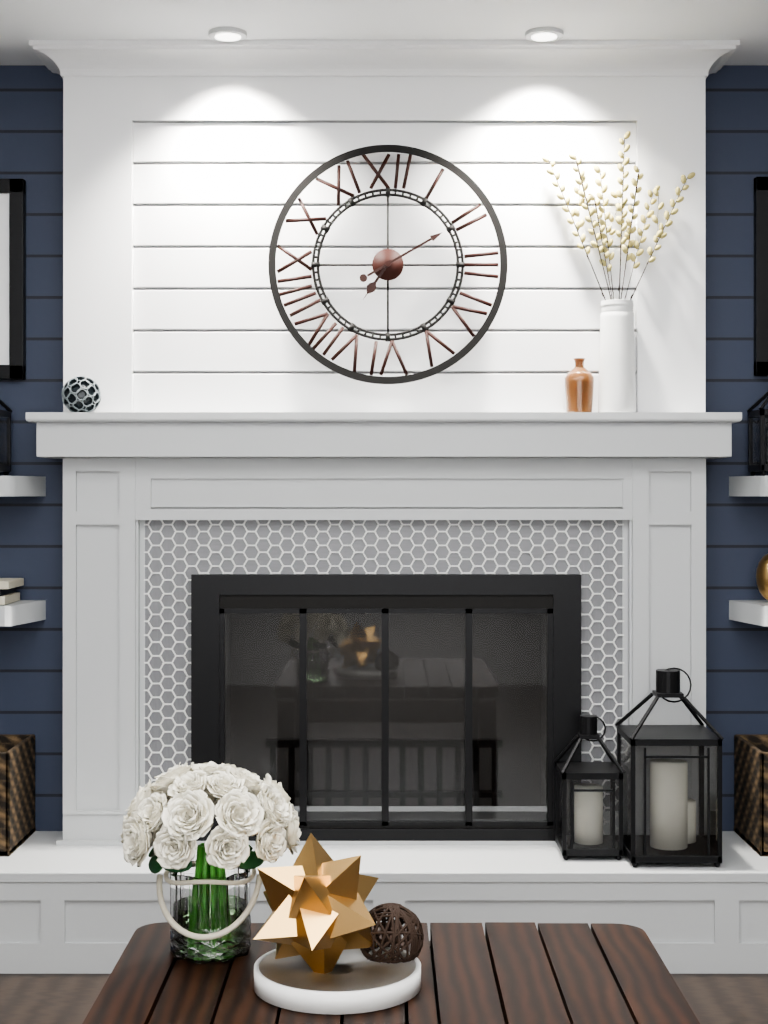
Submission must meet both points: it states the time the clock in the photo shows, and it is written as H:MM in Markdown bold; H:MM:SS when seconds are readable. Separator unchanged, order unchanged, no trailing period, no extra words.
**7:10**
